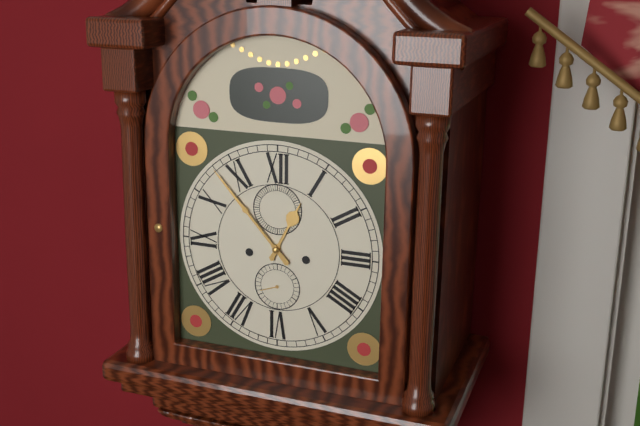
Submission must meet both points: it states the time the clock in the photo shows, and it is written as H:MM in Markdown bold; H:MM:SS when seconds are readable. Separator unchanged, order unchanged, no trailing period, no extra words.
**12:53**
